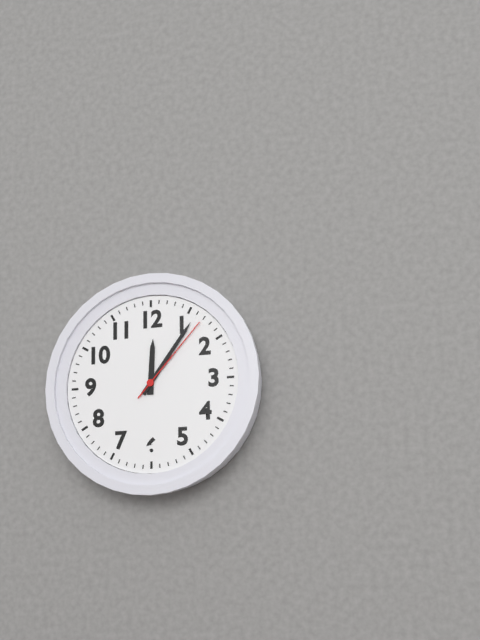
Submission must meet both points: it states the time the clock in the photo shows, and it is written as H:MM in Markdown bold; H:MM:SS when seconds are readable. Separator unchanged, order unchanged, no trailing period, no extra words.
**12:06:07**
